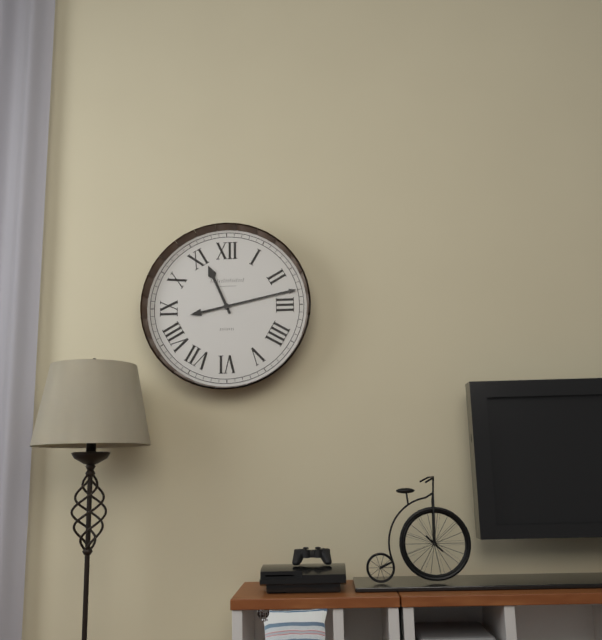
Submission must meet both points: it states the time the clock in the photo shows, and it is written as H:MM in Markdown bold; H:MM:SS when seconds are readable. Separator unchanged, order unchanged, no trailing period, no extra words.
**11:13**
